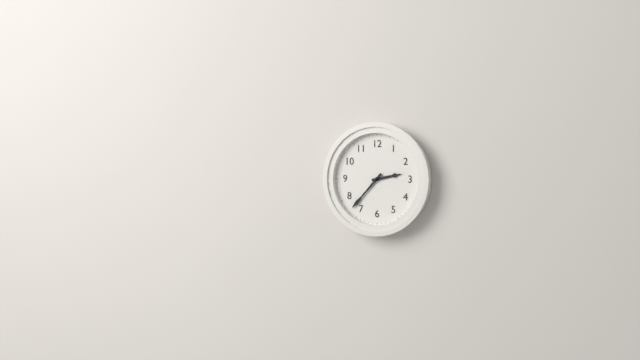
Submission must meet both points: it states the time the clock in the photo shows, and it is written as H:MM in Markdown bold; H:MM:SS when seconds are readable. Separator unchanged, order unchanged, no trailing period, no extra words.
**2:37**
